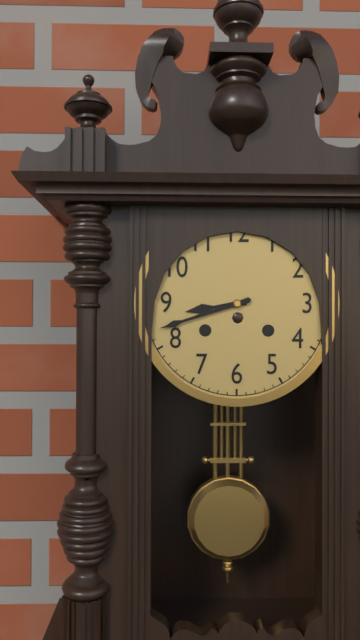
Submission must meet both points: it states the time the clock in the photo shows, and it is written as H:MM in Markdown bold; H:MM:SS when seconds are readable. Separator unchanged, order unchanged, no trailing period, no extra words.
**8:42**
